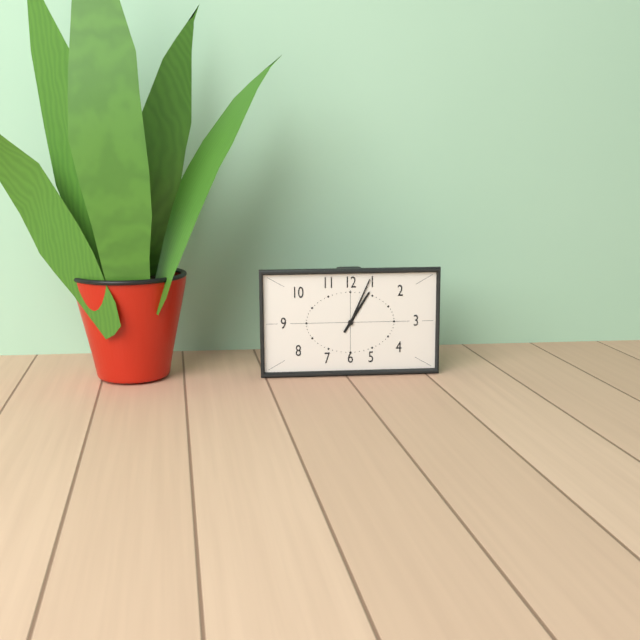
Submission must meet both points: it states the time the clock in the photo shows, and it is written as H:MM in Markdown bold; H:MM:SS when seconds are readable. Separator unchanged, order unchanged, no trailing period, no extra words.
**1:04**
